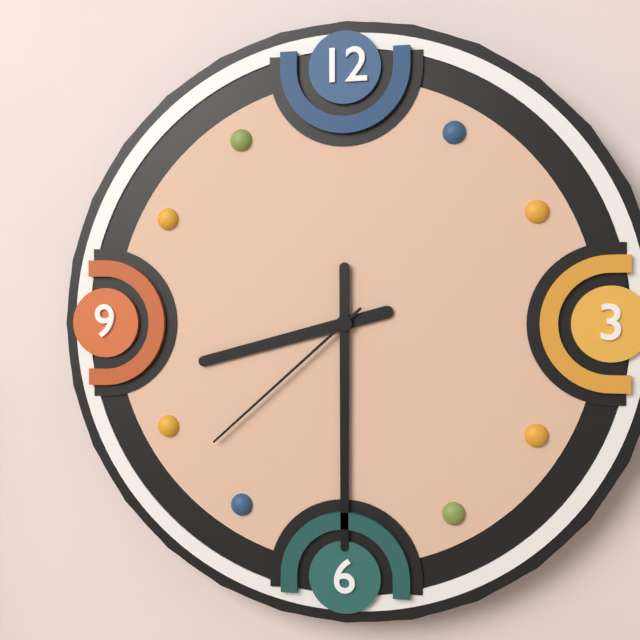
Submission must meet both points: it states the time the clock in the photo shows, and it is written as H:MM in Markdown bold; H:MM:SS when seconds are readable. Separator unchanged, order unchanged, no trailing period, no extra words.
**8:30:38**
